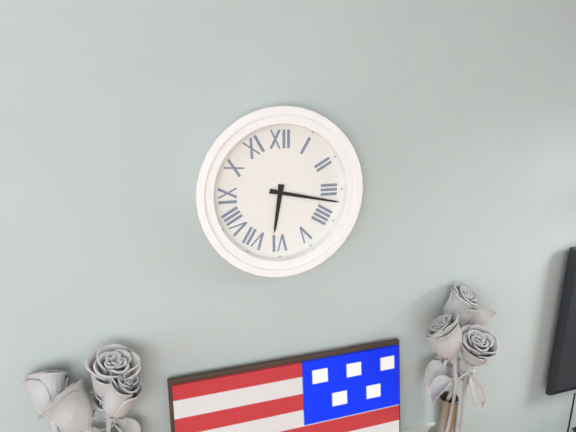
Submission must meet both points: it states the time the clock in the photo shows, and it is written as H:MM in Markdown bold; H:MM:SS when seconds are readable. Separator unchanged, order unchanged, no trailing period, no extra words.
**6:17**
